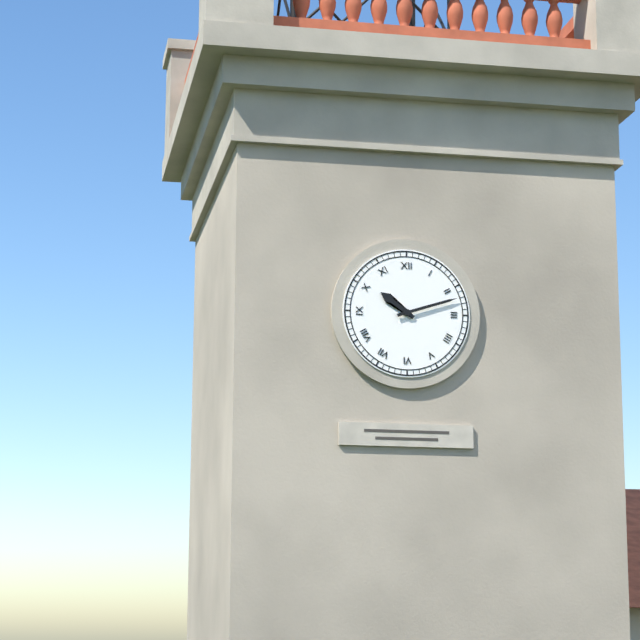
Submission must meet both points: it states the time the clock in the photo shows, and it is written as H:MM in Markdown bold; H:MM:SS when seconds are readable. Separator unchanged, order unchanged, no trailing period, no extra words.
**10:12**
